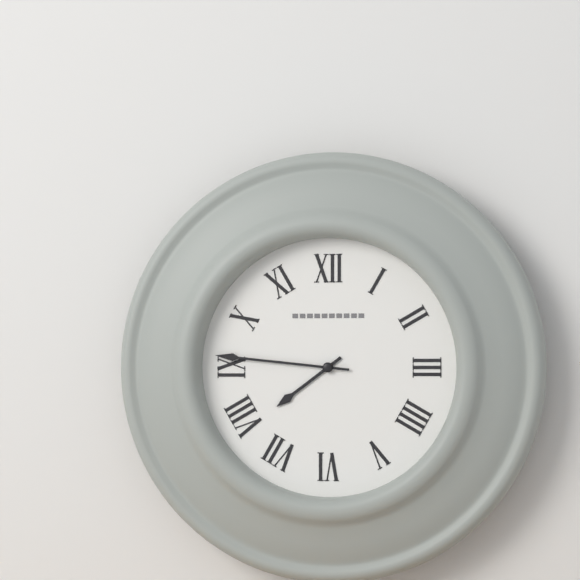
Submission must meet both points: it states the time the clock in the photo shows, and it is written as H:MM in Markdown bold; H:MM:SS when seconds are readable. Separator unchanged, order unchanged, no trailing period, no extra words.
**7:46**
